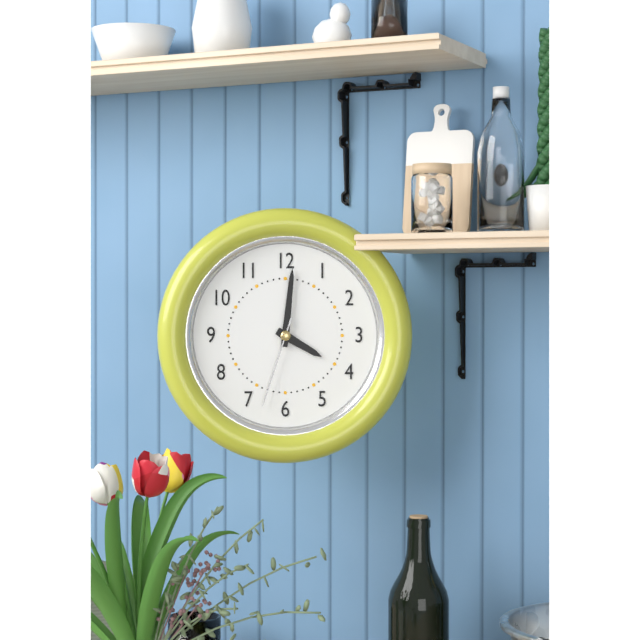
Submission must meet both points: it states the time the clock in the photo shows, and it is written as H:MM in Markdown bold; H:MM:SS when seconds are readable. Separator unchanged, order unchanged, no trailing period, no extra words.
**4:01:33**
